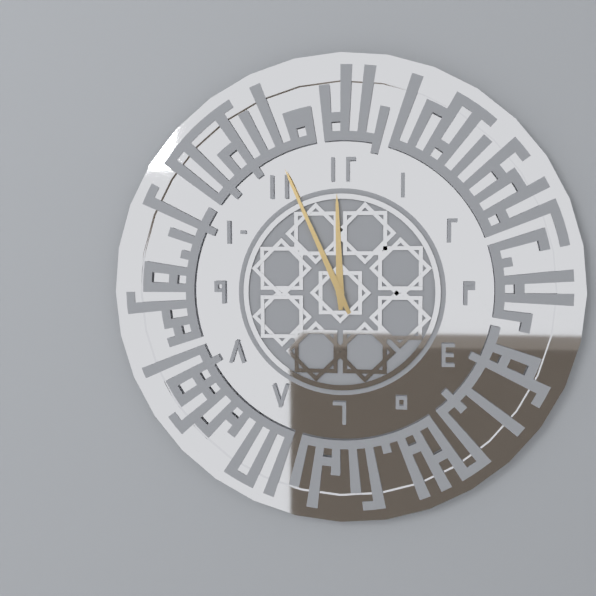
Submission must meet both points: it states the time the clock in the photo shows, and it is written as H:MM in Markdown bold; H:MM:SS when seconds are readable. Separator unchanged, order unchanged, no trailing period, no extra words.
**11:56**
